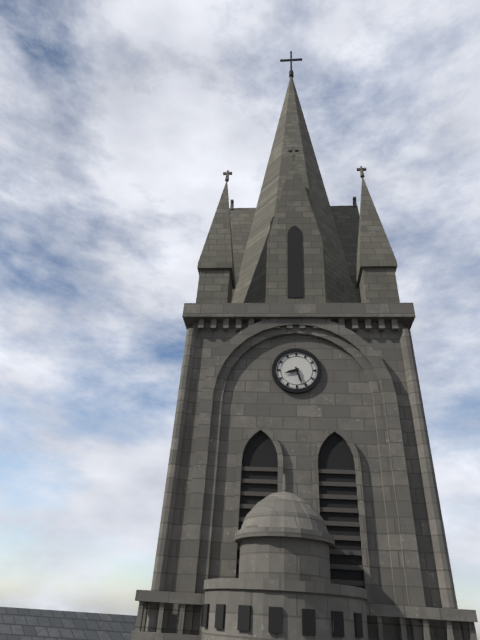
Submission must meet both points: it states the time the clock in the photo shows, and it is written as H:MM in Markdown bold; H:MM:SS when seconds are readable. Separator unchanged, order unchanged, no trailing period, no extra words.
**8:27**
